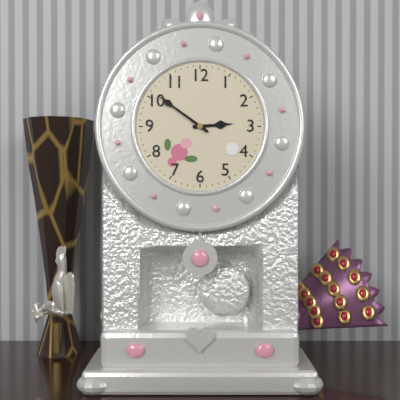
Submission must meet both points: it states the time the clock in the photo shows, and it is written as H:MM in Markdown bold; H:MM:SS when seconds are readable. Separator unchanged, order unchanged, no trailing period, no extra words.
**2:51**
